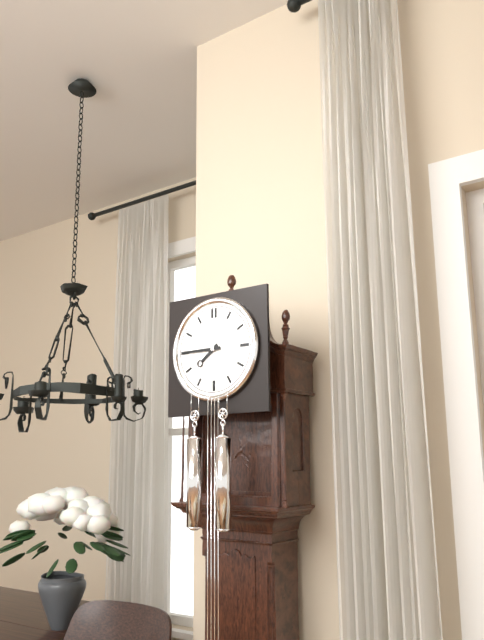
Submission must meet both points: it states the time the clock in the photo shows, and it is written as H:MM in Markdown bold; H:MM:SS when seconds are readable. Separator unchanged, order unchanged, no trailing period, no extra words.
**7:45**
